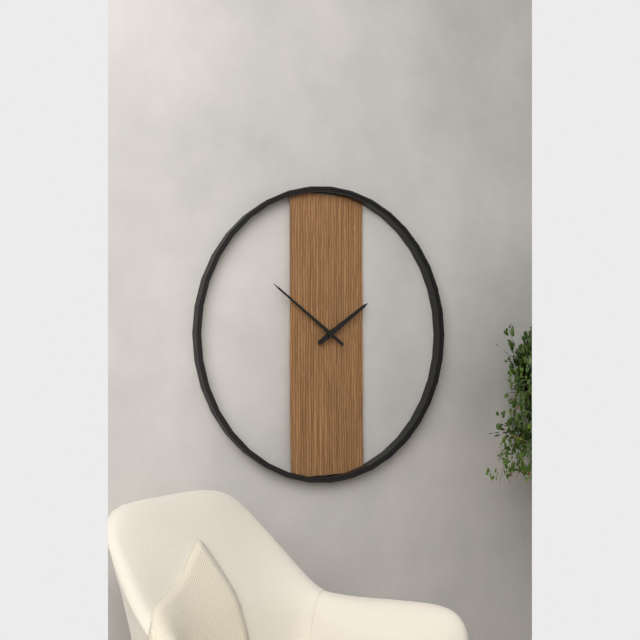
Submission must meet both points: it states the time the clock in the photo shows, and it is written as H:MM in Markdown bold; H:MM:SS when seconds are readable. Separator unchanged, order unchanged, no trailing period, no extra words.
**1:51**
